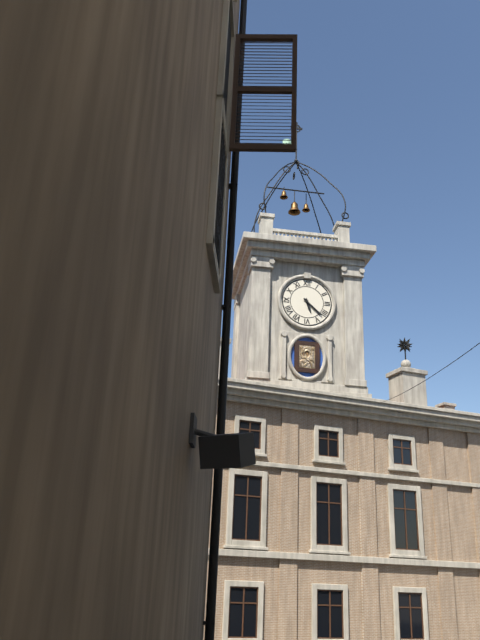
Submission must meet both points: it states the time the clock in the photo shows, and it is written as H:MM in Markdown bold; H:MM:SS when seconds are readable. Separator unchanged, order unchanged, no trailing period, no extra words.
**5:22**
